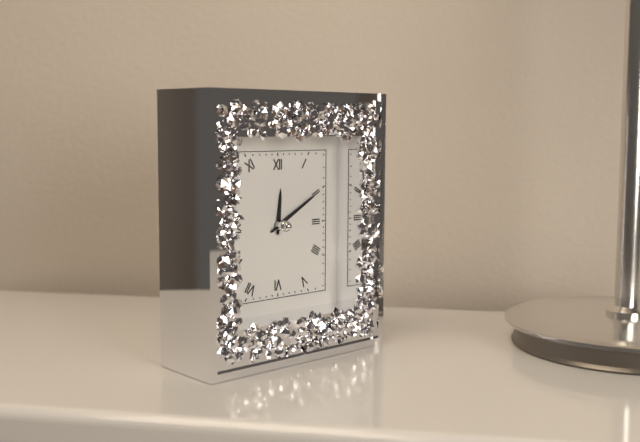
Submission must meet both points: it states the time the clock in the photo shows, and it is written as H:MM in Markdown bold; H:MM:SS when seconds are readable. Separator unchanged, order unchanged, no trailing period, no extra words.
**12:10**
